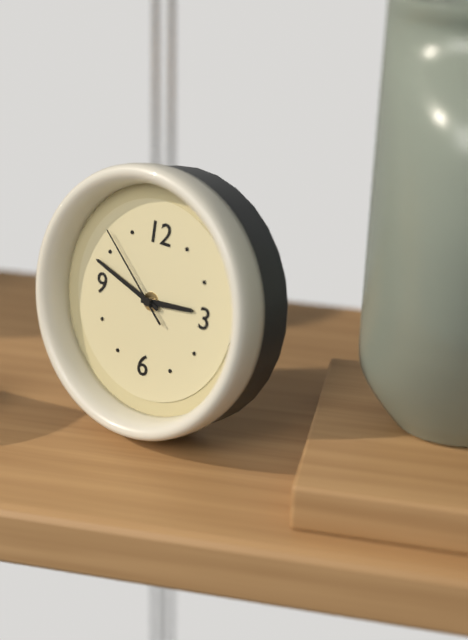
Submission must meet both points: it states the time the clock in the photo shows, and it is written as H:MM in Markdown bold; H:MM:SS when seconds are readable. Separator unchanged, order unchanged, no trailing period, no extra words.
**2:48:52**
